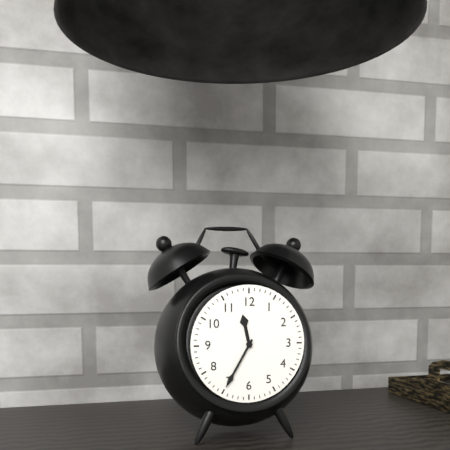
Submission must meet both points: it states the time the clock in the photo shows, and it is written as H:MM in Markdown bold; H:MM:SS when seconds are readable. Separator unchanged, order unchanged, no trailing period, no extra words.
**11:35**
